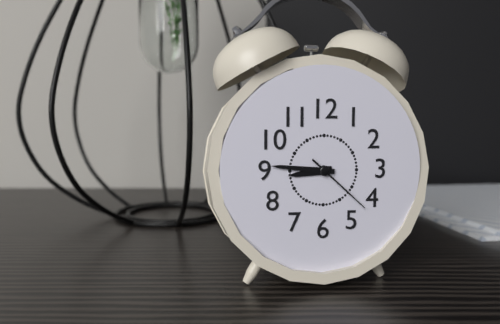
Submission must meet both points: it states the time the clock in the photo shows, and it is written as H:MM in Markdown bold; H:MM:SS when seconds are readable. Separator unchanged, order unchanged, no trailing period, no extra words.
**8:46:22**
